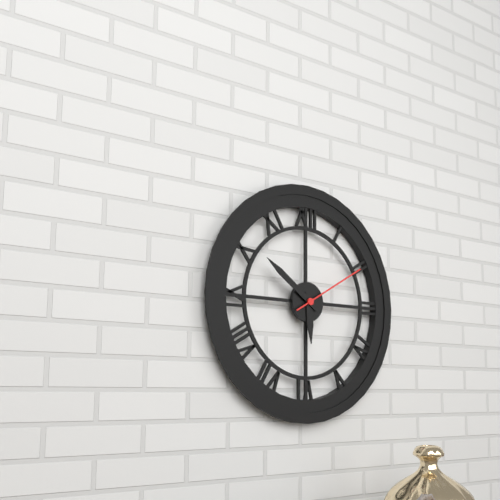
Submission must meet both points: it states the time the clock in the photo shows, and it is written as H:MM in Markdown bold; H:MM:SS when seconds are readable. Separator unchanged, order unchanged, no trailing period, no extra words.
**5:51:10**
